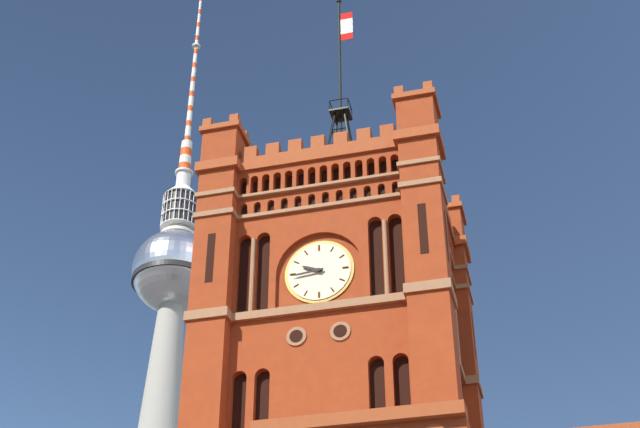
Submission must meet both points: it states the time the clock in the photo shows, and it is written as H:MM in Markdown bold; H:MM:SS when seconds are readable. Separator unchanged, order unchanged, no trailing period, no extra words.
**9:44**
